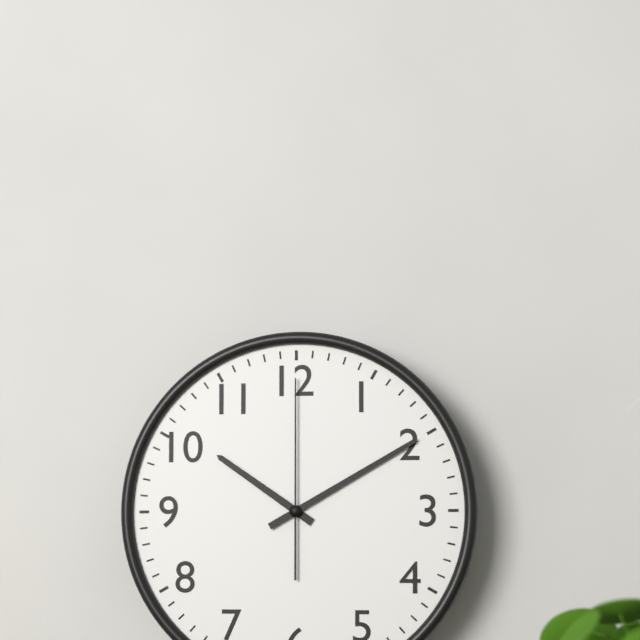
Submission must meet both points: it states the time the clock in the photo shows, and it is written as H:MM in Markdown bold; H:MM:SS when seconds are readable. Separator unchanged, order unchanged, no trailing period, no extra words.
**10:10:00**
